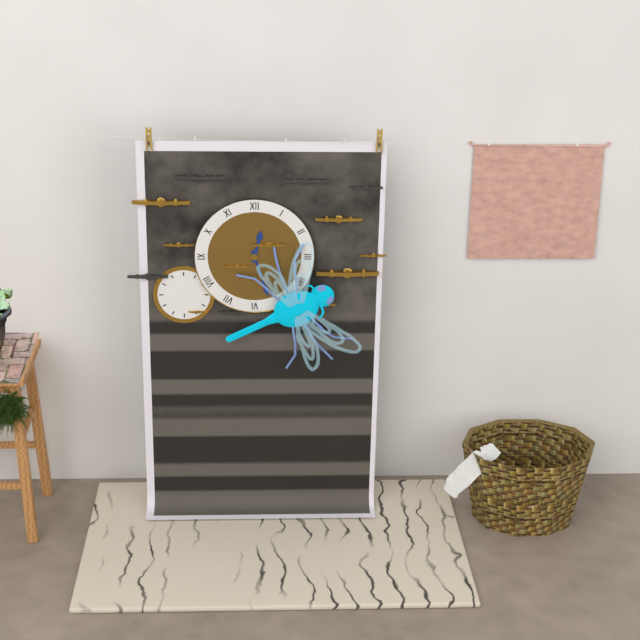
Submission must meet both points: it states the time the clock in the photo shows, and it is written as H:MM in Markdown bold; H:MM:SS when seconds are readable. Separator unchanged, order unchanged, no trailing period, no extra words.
**12:27**
